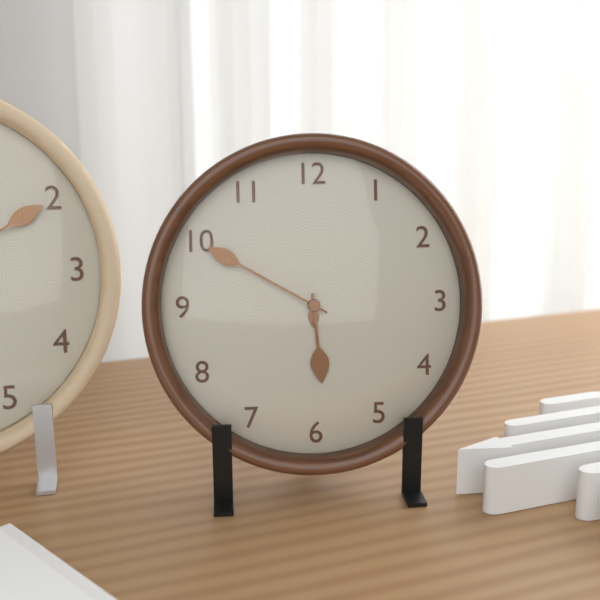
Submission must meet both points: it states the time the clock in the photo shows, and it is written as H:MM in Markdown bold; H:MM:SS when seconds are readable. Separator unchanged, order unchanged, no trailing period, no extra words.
**5:50**
